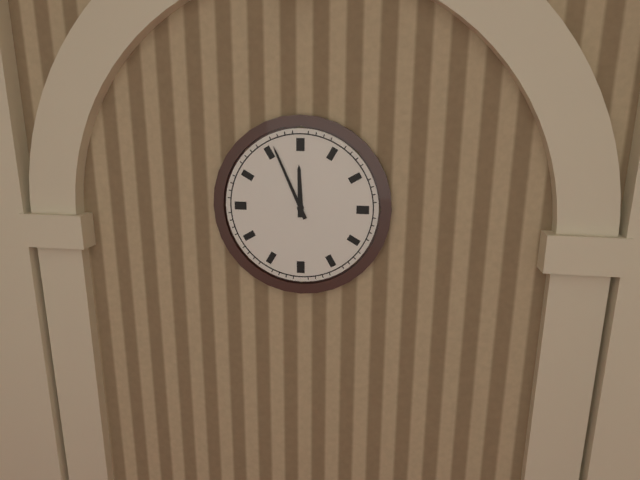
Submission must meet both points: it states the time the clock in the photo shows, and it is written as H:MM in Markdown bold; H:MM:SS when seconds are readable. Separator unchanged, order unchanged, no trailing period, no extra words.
**11:56**
